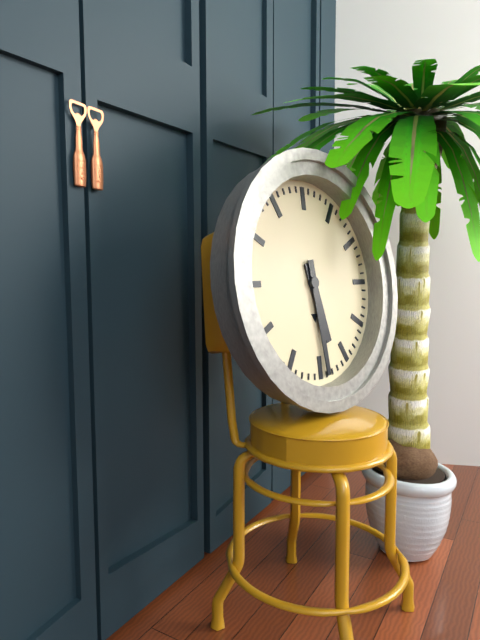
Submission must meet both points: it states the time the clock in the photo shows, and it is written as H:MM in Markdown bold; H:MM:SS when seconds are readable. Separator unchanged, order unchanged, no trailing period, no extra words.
**5:29**
